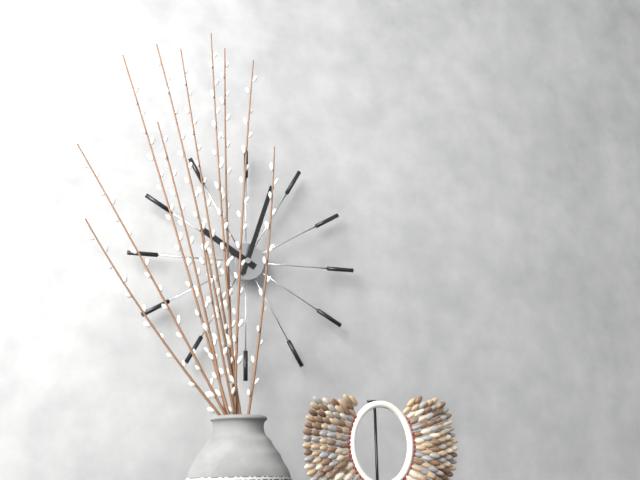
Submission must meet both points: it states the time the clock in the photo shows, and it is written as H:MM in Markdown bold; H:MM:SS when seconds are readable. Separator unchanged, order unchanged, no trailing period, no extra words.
**10:03**
